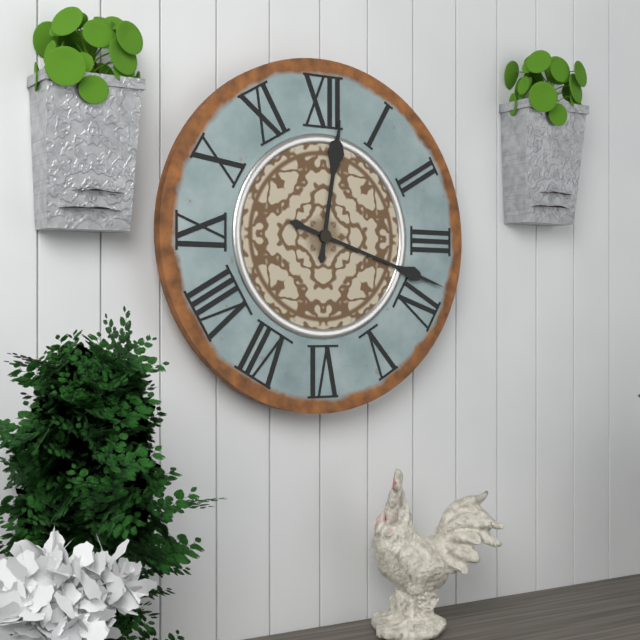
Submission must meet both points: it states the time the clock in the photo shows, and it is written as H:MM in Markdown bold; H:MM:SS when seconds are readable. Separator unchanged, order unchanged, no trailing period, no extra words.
**12:18**
